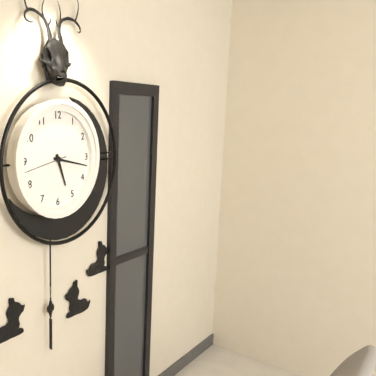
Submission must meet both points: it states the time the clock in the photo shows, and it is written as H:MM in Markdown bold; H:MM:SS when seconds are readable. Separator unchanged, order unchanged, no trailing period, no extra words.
**5:17**
